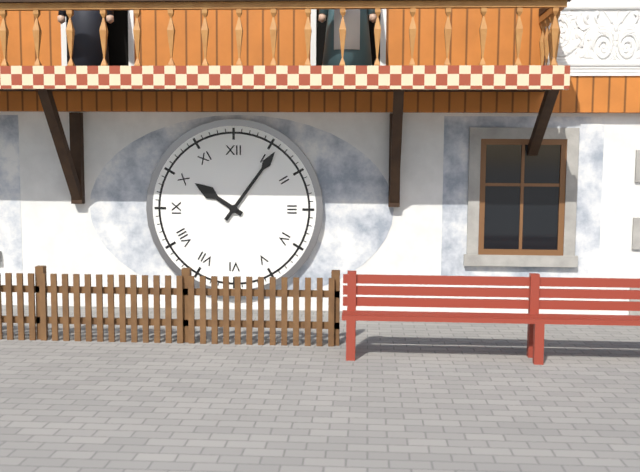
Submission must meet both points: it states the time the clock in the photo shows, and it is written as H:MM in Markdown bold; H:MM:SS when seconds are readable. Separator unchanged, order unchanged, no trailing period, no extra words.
**10:06**
